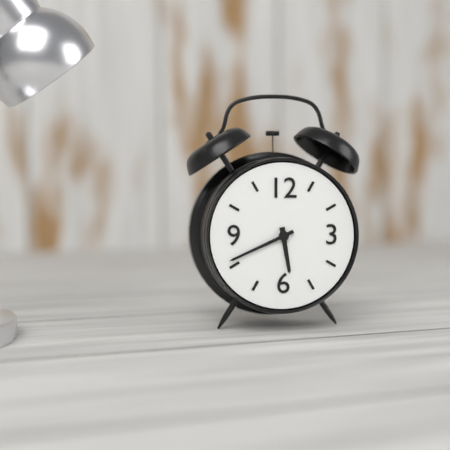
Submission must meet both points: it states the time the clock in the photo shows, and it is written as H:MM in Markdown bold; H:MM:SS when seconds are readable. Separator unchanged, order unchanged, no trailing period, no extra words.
**5:41**
